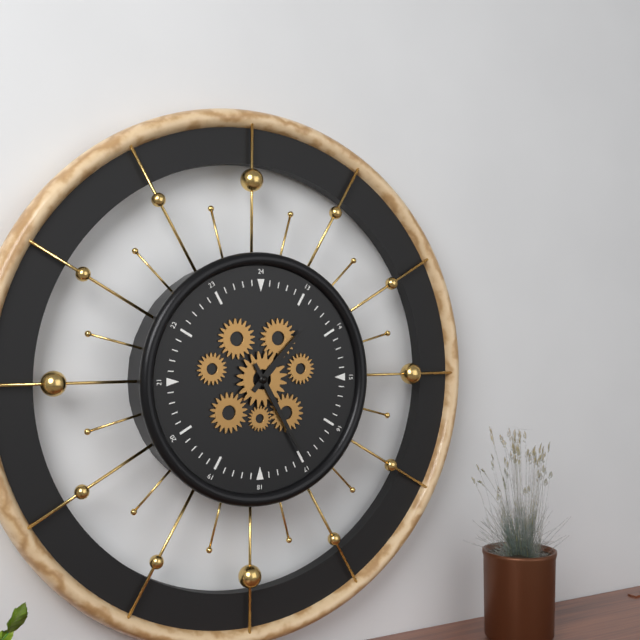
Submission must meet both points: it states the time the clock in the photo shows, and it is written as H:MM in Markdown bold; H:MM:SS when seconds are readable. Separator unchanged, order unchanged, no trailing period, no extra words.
**1:25**
